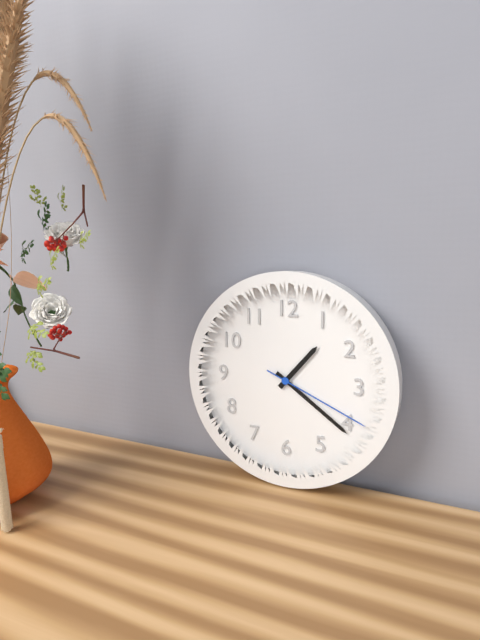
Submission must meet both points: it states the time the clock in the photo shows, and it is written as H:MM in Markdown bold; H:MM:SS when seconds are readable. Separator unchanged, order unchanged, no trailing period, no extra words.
**1:21:19**
